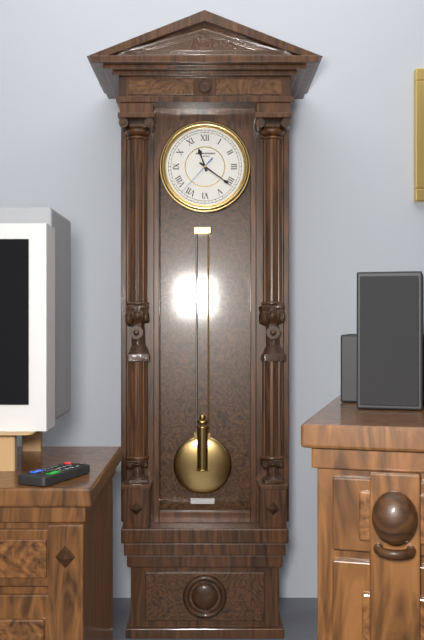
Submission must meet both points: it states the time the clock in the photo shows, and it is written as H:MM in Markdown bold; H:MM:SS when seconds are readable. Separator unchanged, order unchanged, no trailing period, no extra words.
**11:21**
